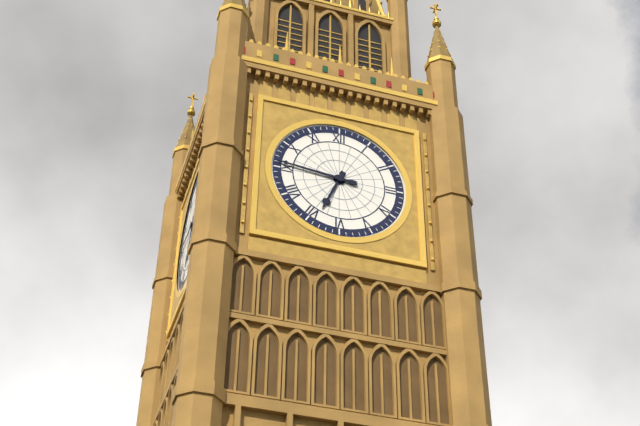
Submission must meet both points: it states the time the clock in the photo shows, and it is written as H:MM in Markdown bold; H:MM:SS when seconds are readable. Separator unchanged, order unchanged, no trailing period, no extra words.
**6:46**
